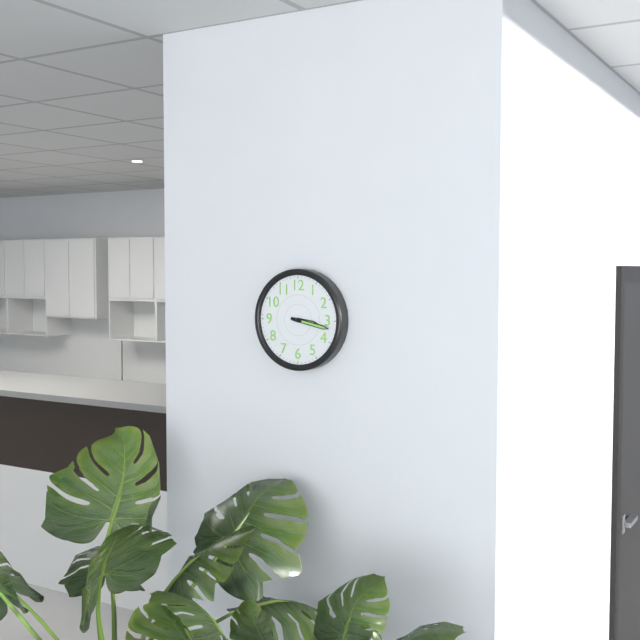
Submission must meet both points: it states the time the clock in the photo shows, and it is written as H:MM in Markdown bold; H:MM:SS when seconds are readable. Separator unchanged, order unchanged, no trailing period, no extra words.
**3:17**
